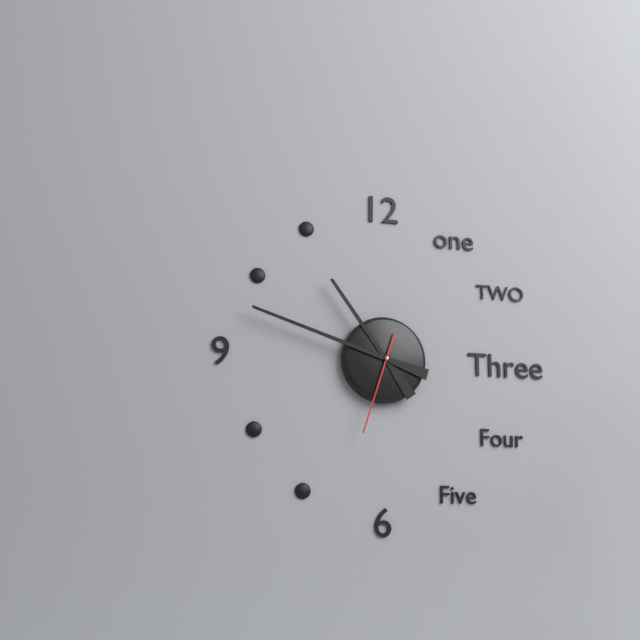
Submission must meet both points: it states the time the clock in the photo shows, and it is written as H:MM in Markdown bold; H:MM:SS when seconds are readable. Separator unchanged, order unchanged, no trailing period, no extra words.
**10:48:33**
